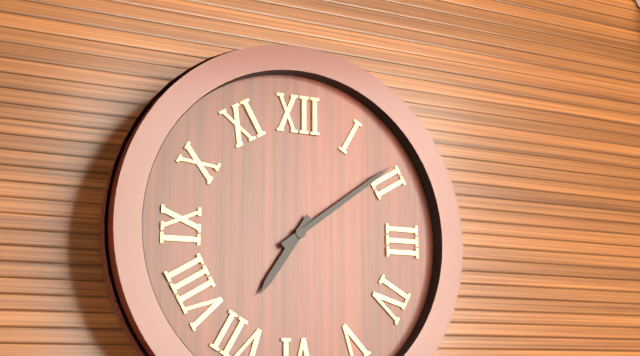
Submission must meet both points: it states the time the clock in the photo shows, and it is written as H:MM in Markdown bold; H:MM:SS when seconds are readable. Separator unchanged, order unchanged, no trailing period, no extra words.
**7:09**
